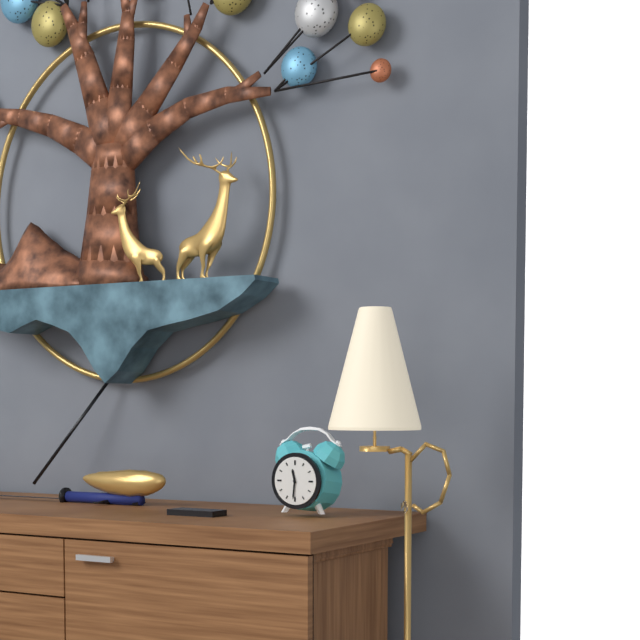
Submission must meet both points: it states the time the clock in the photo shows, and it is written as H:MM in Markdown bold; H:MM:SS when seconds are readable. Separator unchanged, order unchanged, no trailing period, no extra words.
**11:31**
